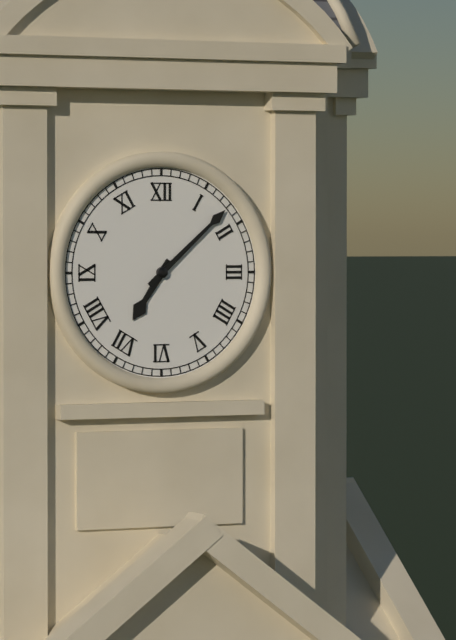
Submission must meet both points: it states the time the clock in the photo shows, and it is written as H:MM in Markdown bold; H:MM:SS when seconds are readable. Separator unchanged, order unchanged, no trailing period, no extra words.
**7:08**
